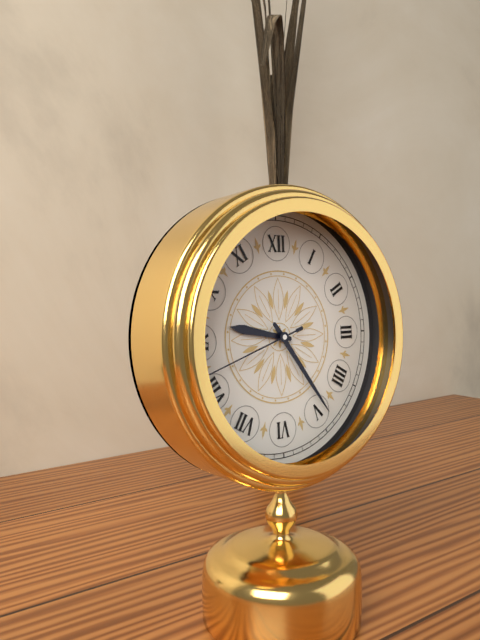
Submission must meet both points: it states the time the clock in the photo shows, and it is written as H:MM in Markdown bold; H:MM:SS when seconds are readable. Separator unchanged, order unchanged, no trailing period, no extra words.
**9:24:42**
